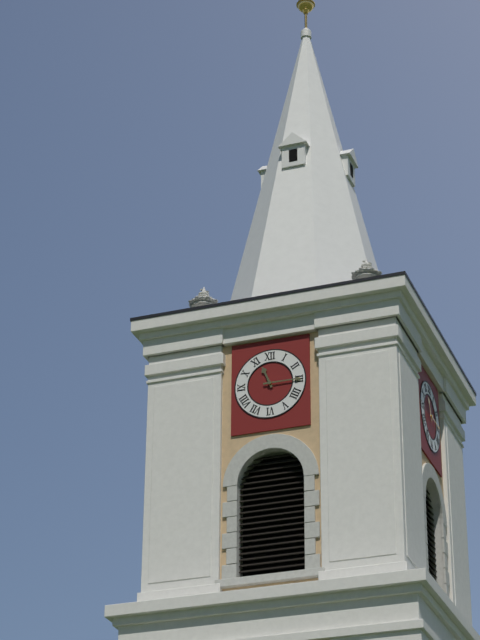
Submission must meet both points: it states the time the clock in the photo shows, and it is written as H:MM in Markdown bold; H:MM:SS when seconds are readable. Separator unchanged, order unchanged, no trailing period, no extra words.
**11:15**
